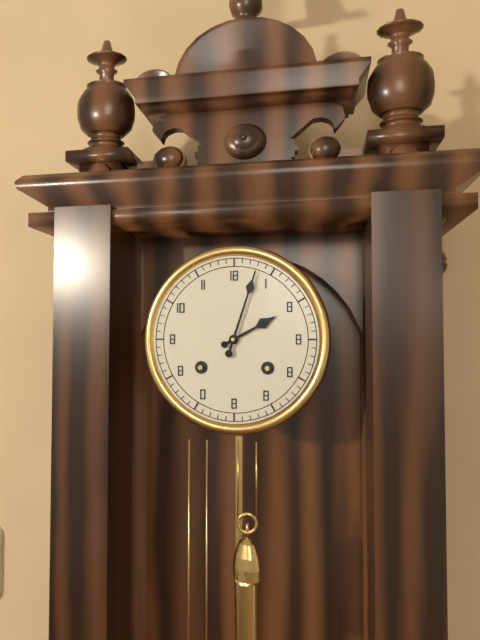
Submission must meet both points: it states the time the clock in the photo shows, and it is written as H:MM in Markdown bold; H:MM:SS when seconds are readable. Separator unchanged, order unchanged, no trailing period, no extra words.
**2:03**
